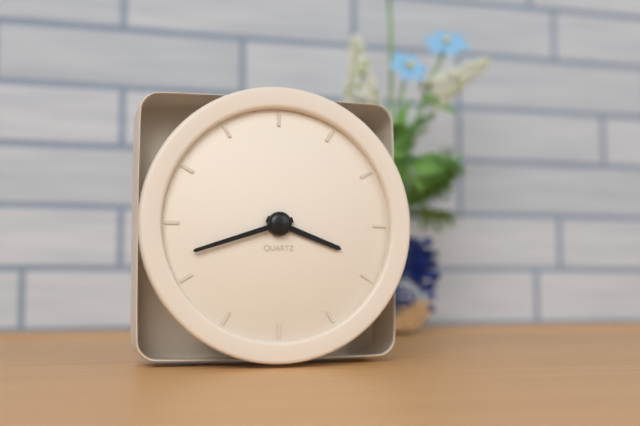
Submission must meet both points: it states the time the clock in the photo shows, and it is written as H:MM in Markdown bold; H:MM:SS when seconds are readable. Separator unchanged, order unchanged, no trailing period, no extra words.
**3:42**
